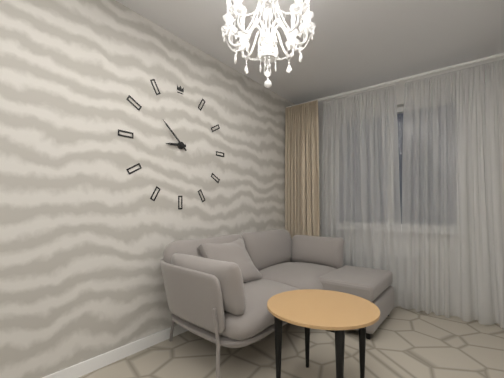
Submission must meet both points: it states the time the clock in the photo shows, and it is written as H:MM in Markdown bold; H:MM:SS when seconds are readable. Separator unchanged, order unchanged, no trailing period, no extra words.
**8:52**
